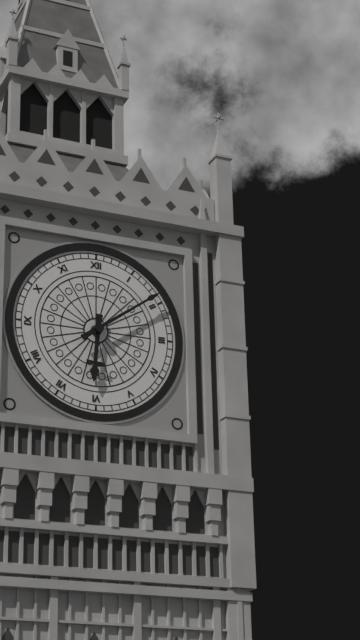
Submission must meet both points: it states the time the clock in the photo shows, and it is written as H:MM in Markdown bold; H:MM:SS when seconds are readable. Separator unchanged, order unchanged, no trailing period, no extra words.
**6:09**
